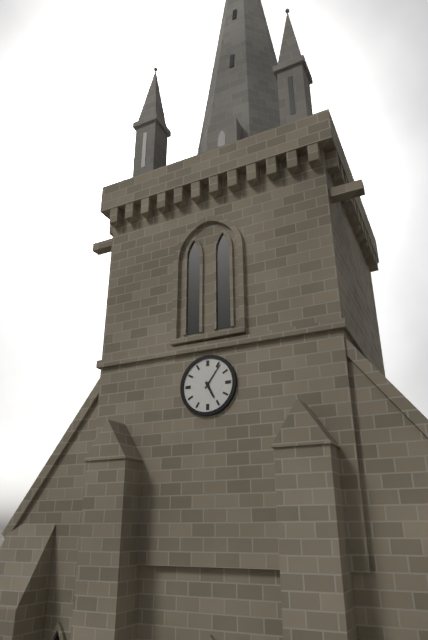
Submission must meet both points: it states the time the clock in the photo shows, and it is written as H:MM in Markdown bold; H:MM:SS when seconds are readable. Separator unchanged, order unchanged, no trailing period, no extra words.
**5:06**
